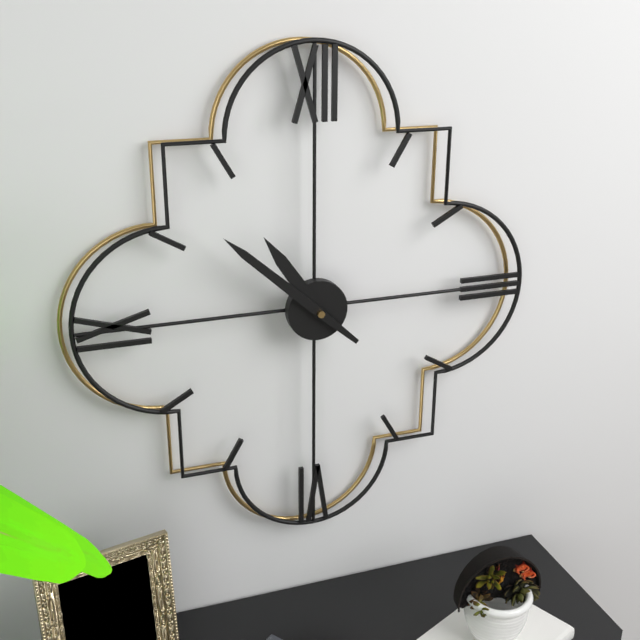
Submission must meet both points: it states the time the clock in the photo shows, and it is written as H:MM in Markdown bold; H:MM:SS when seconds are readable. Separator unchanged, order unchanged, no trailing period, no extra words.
**10:52**
